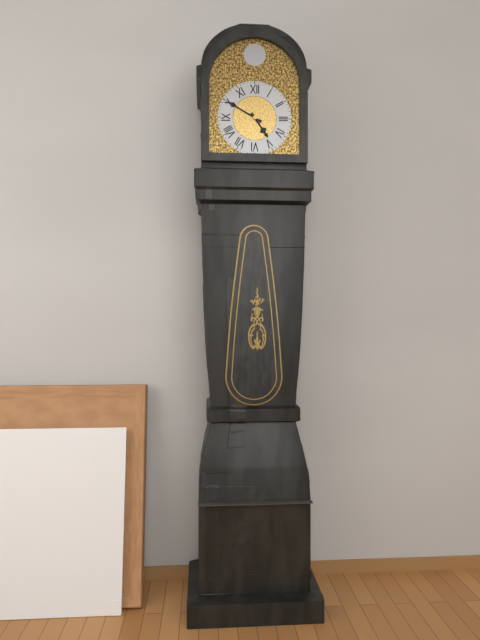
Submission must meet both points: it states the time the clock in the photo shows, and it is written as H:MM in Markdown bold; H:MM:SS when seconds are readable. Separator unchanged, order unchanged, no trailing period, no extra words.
**4:50**
